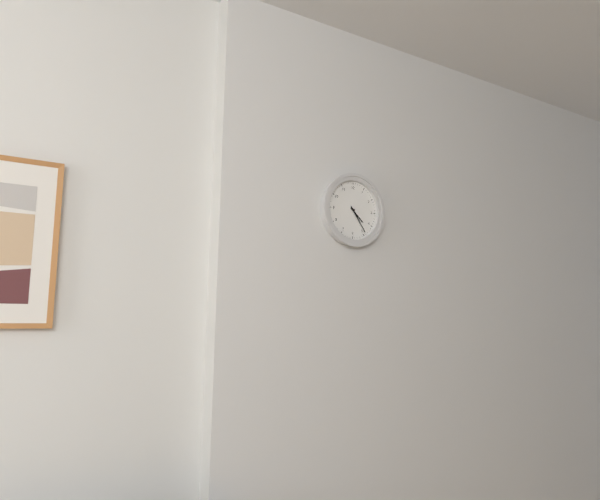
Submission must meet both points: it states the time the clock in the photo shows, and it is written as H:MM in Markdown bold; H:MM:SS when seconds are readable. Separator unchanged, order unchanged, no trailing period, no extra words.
**4:24**
